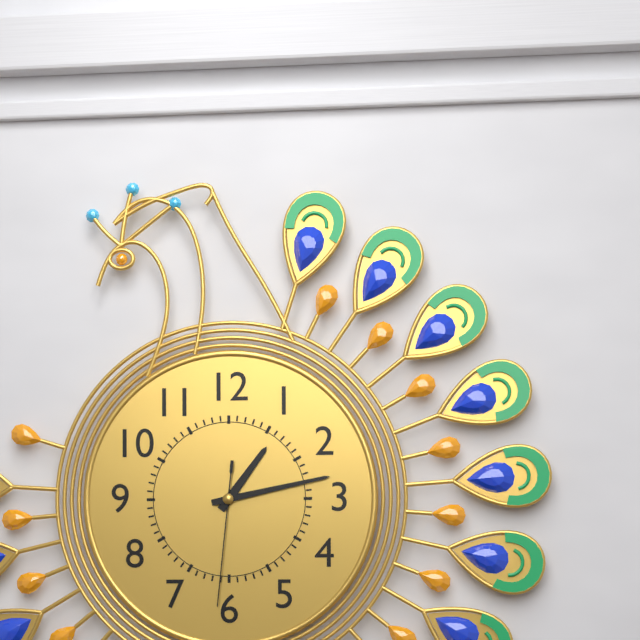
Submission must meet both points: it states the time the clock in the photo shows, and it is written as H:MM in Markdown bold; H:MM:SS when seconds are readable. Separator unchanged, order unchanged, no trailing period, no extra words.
**1:13:31**
